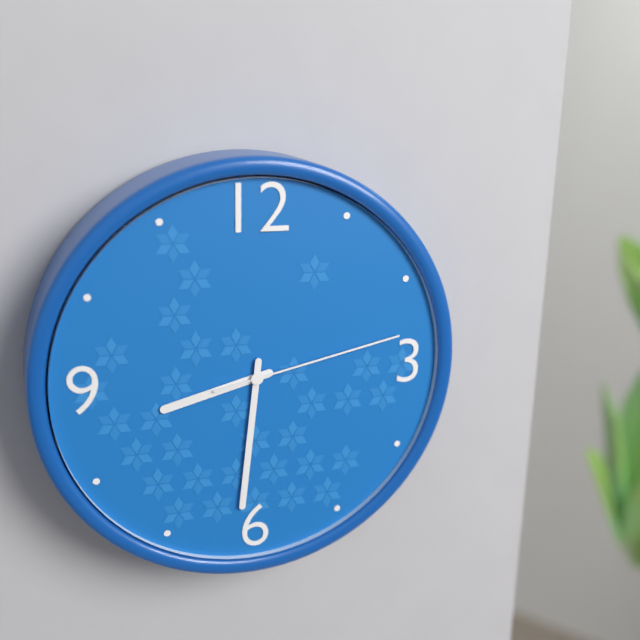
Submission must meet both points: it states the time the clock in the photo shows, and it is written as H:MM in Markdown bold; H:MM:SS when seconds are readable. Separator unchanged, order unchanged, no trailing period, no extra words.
**8:31:13**
